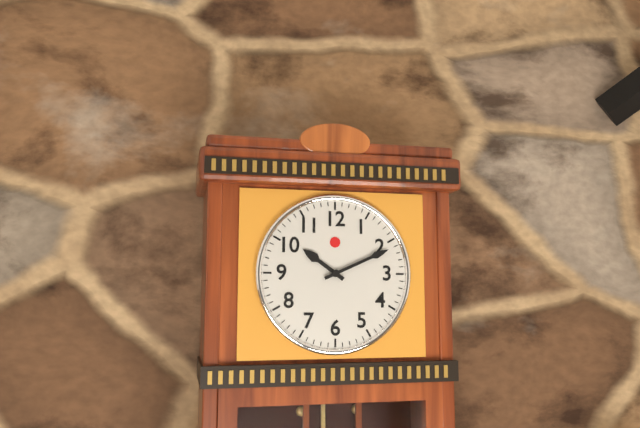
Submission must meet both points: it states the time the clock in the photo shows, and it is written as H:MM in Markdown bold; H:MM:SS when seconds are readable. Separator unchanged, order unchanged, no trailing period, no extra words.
**10:11**
